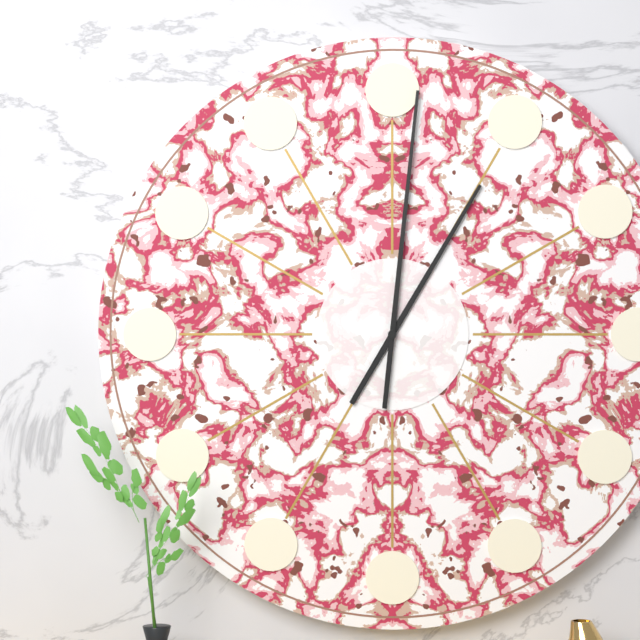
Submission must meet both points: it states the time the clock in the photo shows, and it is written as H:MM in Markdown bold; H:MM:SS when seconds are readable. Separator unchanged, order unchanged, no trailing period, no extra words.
**1:01**
